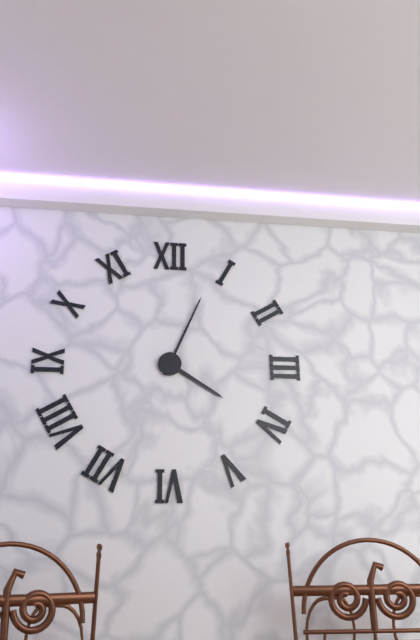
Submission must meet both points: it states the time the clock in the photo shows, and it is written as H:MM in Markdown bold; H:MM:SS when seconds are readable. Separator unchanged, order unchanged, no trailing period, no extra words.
**4:04**
